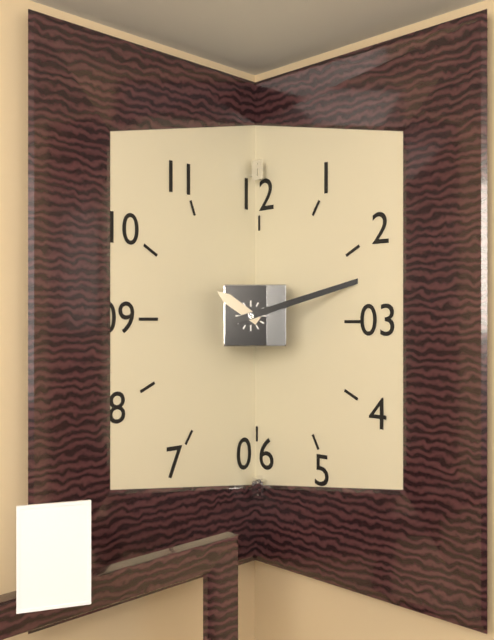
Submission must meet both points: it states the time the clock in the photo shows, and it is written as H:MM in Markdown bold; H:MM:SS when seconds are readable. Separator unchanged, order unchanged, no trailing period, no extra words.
**10:12**
